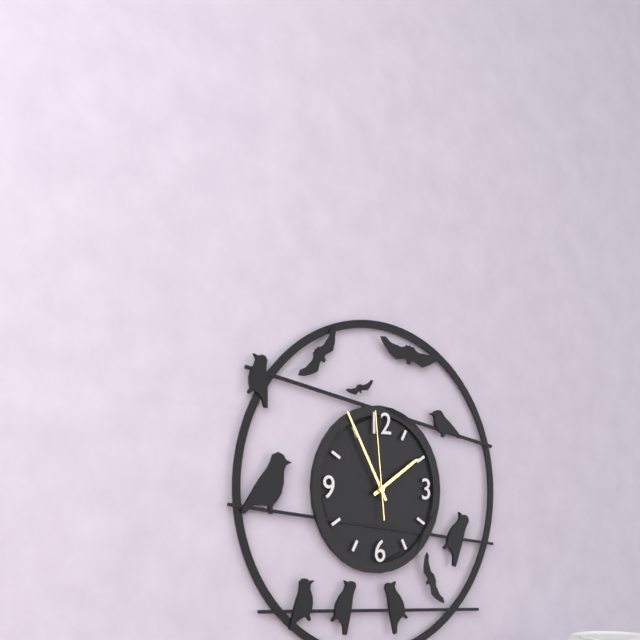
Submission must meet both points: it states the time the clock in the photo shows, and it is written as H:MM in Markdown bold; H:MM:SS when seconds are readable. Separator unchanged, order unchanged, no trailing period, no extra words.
**1:55:59**
